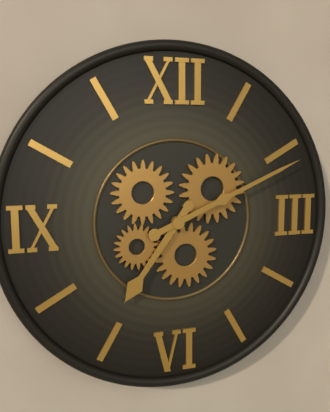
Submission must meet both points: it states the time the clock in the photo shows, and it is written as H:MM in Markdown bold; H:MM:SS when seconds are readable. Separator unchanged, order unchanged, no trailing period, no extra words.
**7:11**
